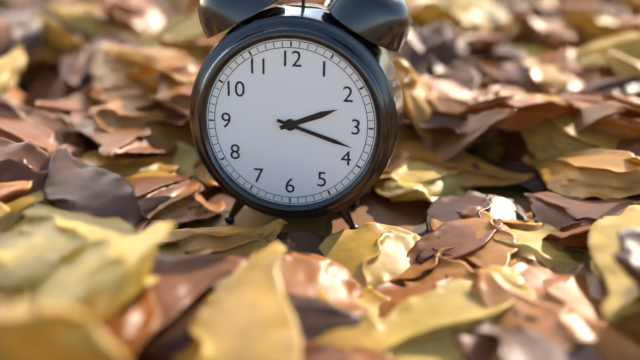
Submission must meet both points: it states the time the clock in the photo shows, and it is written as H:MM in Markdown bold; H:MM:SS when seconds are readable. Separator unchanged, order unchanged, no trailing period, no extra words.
**2:18**
